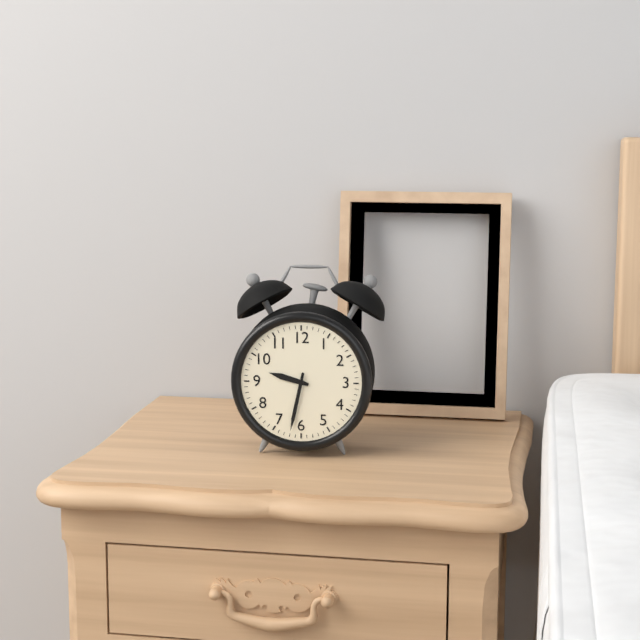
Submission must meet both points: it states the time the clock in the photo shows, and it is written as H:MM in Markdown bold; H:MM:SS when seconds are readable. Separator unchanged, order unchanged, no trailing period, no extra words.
**9:32**
